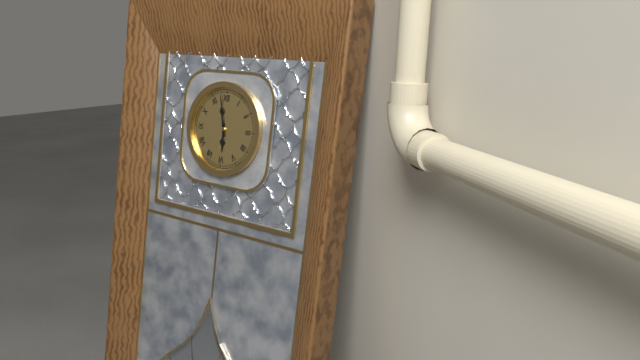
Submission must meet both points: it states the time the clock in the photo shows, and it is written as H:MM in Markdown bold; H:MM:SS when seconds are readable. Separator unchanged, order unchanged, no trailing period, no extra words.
**5:58**
